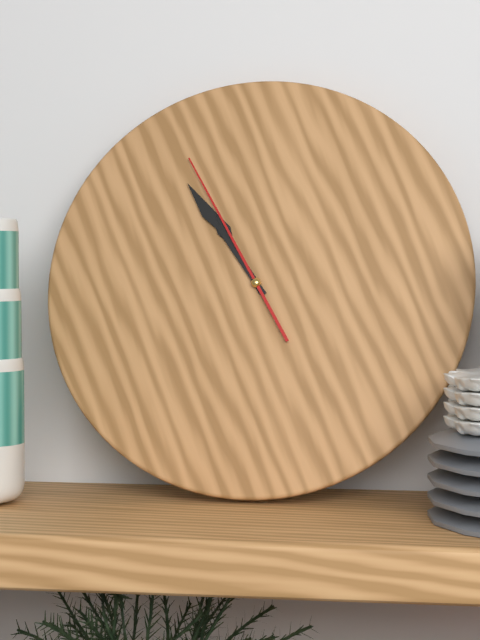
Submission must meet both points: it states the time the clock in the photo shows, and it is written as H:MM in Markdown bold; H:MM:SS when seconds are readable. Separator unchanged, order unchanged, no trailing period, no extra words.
**10:54:55**
